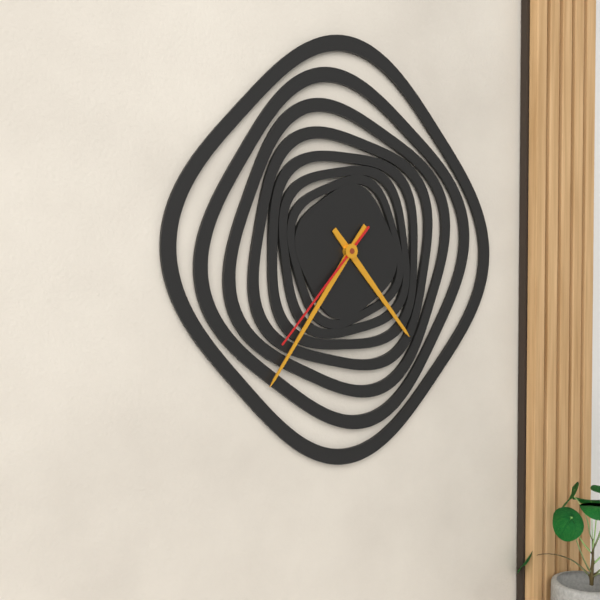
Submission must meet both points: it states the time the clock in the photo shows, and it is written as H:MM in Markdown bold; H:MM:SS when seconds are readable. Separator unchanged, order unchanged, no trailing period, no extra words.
**4:36:37**
